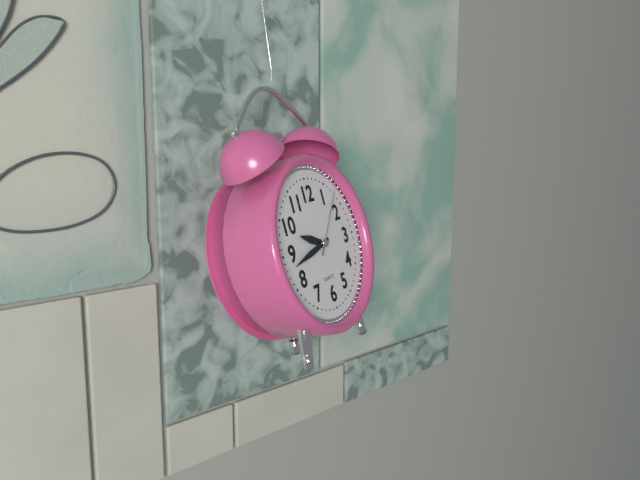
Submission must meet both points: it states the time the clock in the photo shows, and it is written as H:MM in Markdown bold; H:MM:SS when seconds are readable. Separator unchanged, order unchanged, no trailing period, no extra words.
**9:43:07**
